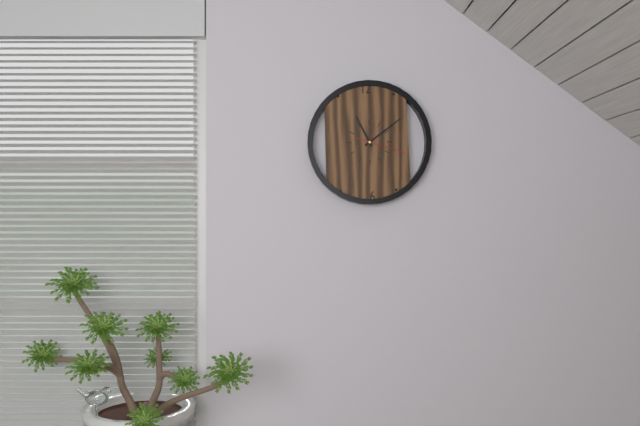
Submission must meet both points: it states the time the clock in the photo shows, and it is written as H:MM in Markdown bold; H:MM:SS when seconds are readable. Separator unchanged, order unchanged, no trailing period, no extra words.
**11:09**
